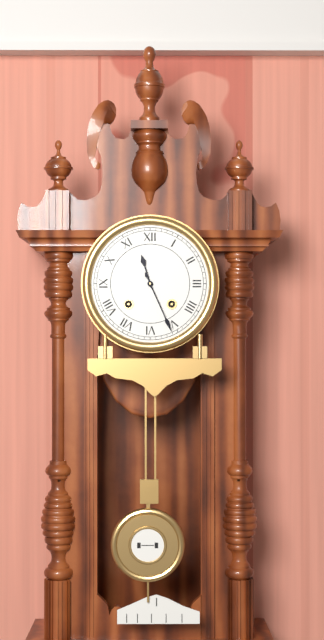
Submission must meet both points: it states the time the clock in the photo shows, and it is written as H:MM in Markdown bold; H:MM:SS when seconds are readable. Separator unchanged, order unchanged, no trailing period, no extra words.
**11:26**
